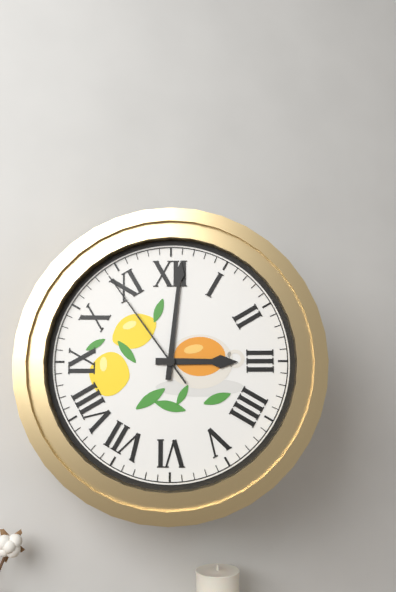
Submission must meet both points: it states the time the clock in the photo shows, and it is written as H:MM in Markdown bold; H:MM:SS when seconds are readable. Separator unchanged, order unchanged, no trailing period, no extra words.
**3:01:54**
